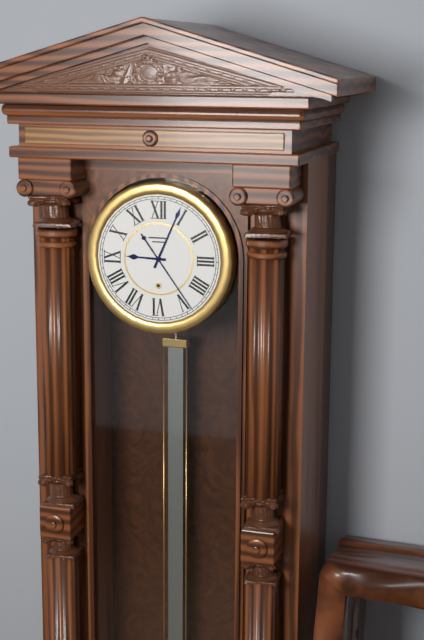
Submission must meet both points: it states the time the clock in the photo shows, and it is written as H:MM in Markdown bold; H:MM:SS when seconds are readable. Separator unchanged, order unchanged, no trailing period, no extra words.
**9:04:24**
